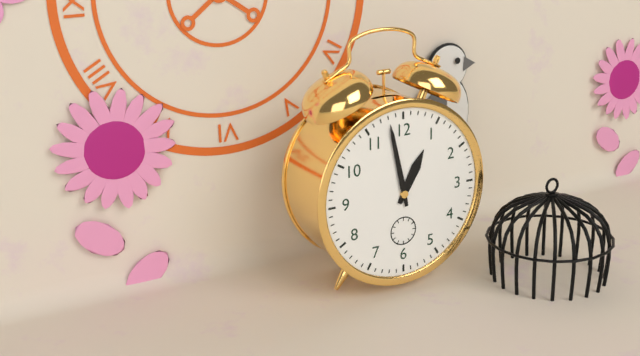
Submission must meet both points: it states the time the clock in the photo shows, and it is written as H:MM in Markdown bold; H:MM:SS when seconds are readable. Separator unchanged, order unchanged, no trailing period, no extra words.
**12:58**
